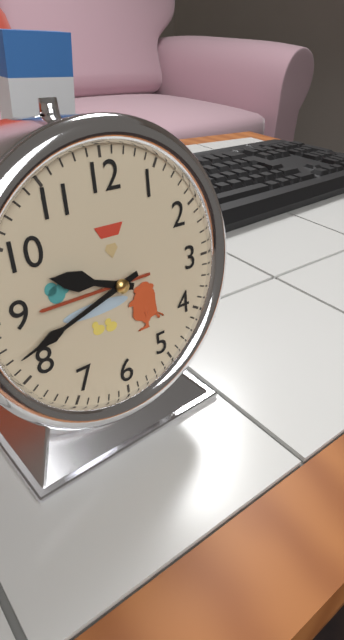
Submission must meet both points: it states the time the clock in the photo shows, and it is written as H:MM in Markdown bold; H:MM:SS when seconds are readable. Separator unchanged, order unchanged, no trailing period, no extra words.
**9:42**
